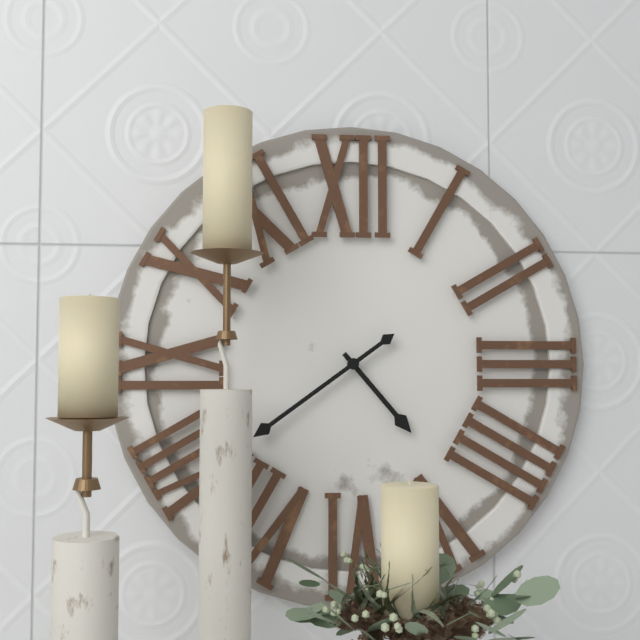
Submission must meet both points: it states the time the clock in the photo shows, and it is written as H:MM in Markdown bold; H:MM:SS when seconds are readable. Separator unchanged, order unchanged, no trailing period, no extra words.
**4:39**
